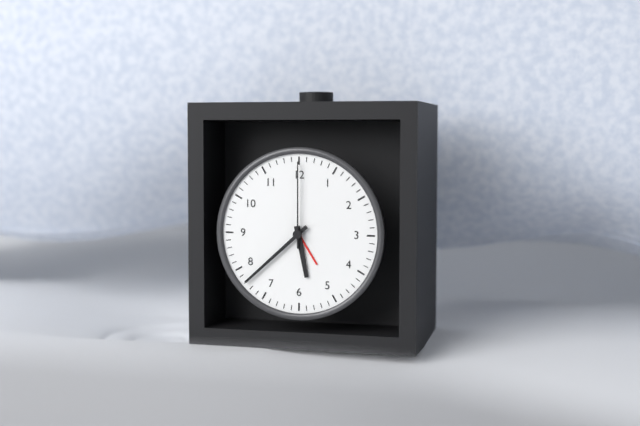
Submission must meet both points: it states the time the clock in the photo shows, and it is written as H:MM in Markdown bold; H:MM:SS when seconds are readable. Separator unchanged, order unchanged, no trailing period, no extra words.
**5:38:00**
